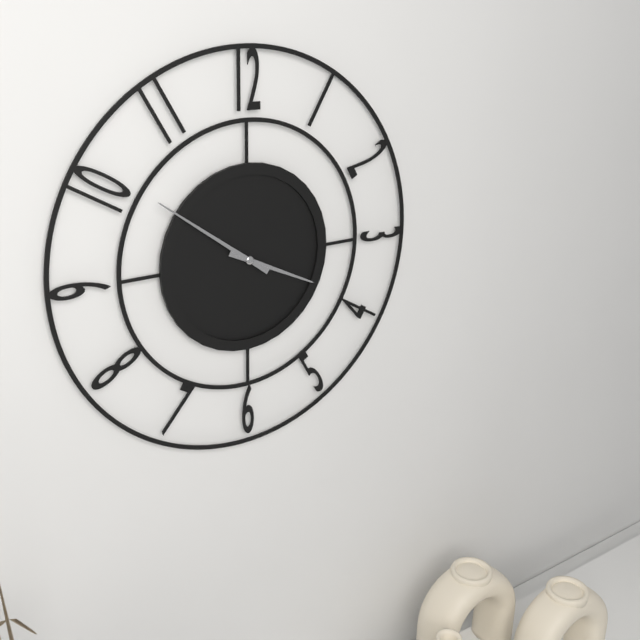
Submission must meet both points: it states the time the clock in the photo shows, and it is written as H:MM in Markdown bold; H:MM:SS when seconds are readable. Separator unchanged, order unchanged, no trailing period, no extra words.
**3:51**
